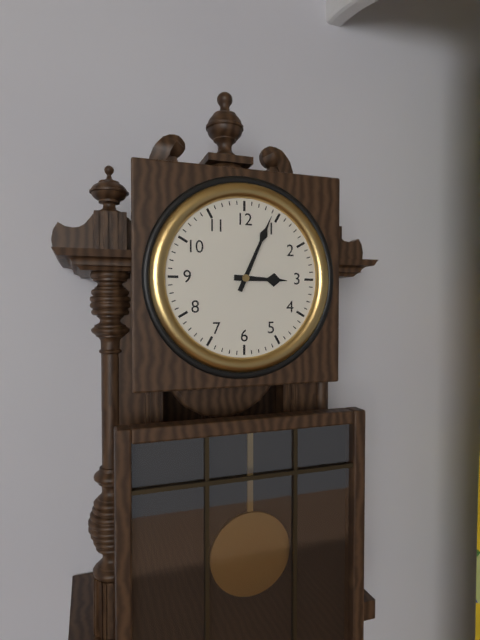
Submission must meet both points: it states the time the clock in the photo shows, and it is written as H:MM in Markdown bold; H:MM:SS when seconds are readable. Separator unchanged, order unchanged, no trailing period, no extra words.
**3:04**
